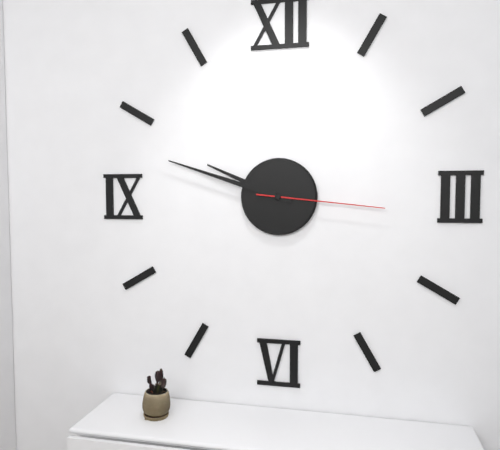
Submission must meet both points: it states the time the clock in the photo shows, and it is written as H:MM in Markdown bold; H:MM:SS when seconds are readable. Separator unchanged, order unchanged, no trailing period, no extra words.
**9:48:16**
